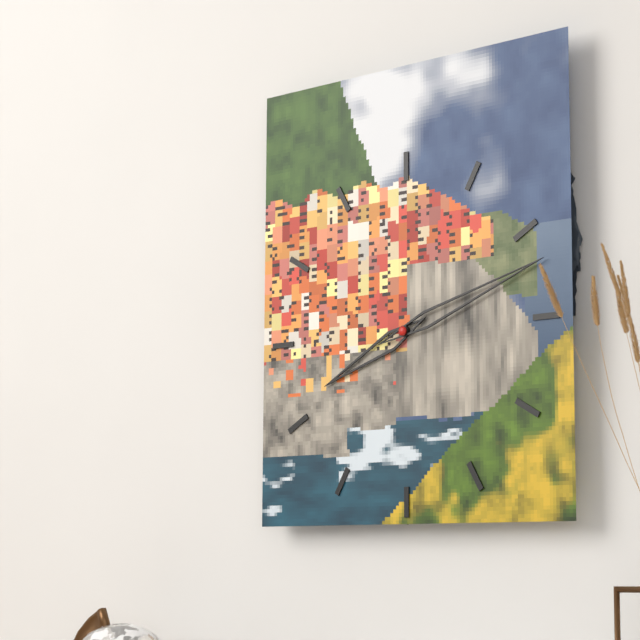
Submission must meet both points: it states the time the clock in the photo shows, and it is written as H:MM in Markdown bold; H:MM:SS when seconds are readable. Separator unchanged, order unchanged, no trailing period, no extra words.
**8:12**
